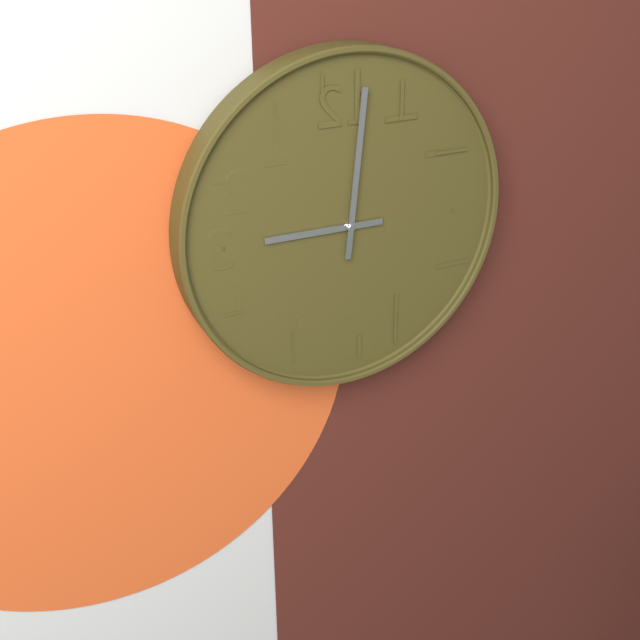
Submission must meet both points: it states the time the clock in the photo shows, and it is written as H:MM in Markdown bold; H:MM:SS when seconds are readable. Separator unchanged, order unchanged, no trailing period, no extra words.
**9:01**
